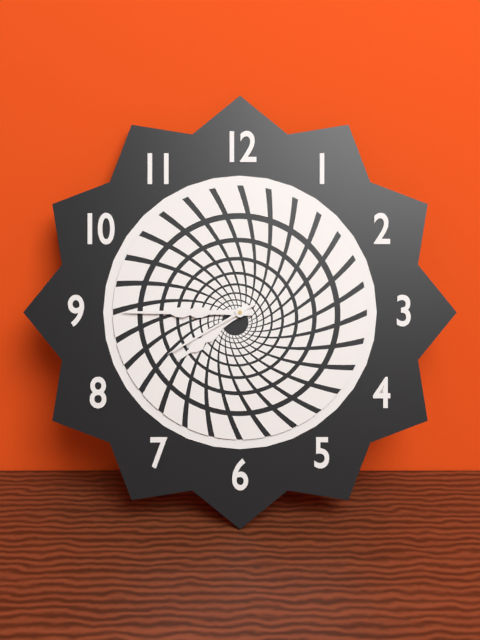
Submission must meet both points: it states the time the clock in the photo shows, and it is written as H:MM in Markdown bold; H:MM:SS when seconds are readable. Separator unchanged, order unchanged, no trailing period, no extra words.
**7:45:40**
